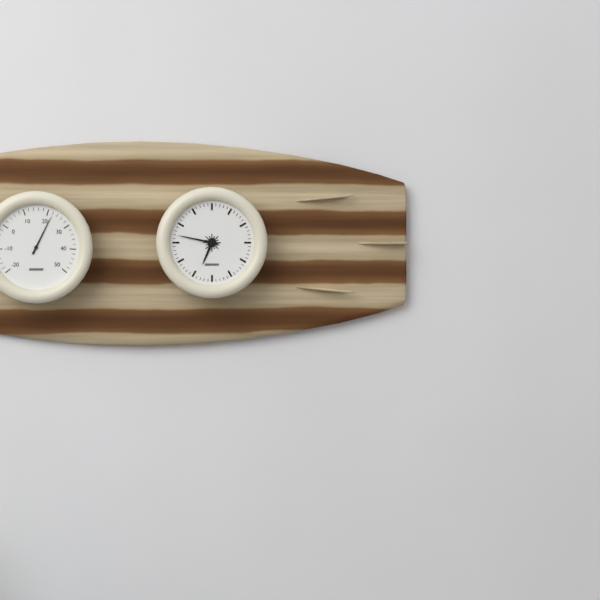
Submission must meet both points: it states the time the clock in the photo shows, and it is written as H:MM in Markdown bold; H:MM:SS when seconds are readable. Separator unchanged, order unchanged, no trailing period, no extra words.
**6:47**
